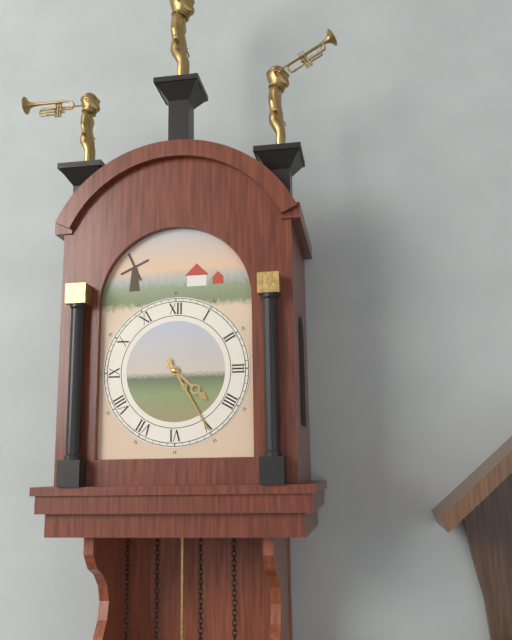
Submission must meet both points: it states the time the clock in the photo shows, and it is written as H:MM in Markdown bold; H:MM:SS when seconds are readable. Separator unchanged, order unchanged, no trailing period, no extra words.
**4:25**
